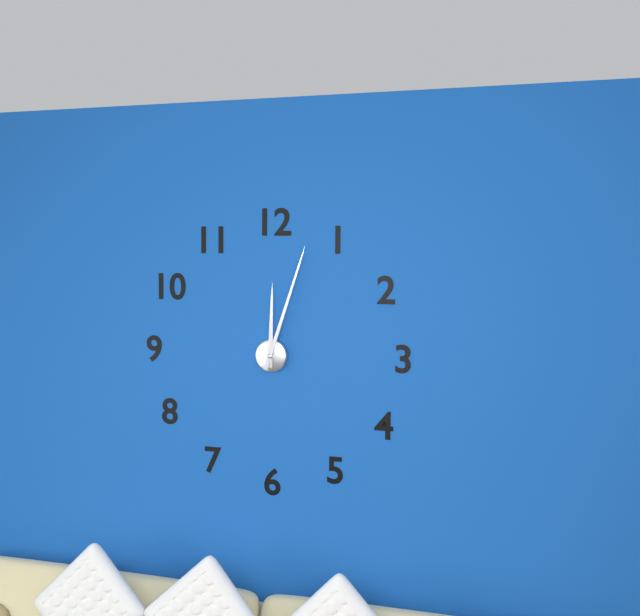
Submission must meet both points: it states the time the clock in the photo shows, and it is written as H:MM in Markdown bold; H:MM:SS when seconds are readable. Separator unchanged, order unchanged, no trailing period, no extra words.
**12:03**
